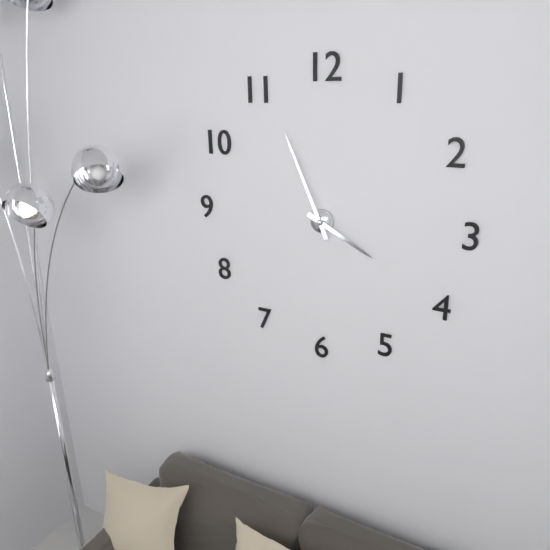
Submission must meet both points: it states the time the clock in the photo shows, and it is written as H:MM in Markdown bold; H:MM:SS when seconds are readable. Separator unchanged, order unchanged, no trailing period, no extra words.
**3:56**
